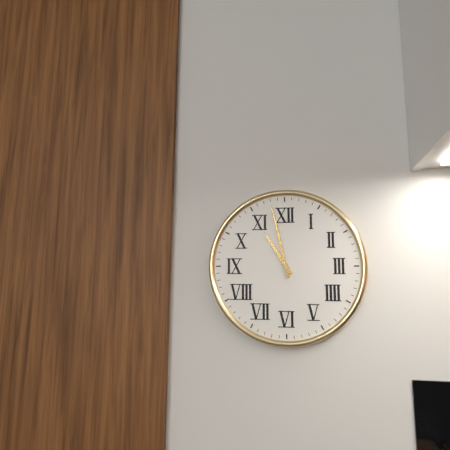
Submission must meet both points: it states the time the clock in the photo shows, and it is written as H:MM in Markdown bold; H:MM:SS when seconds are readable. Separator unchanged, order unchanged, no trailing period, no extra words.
**10:58**
